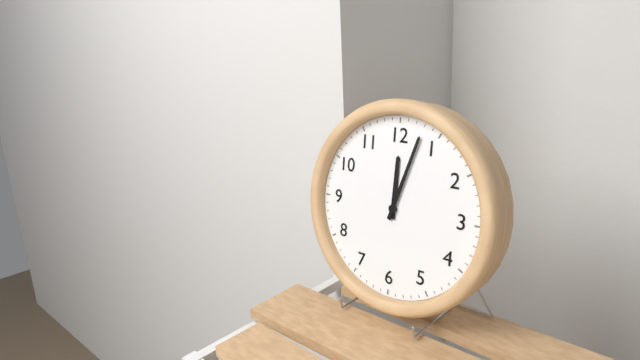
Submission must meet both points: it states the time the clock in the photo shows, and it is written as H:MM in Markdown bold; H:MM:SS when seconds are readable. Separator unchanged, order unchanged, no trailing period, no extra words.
**12:03**
